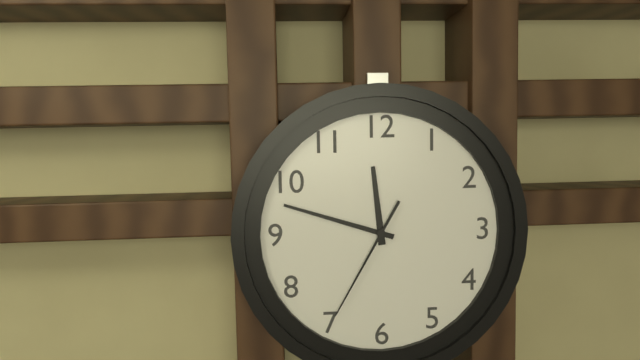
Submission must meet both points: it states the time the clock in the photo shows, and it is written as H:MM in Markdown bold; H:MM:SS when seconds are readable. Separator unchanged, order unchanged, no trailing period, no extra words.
**11:48:35**
